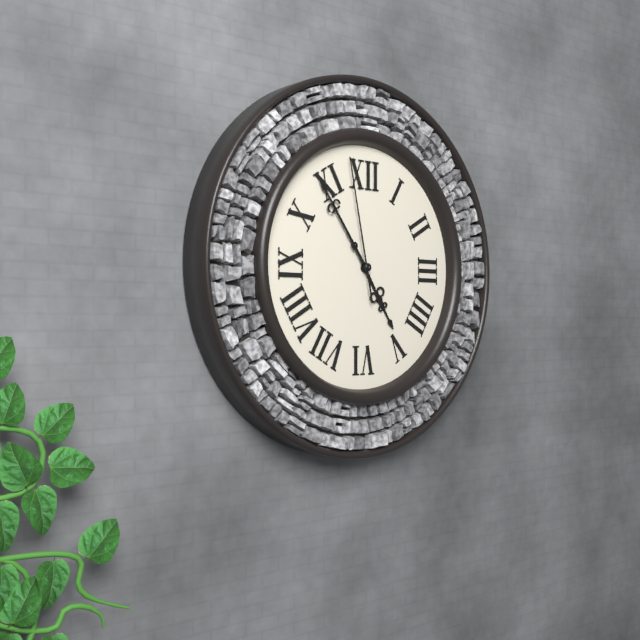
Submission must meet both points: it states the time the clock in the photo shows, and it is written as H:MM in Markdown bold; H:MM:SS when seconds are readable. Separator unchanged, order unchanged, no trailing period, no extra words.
**4:54:58**
